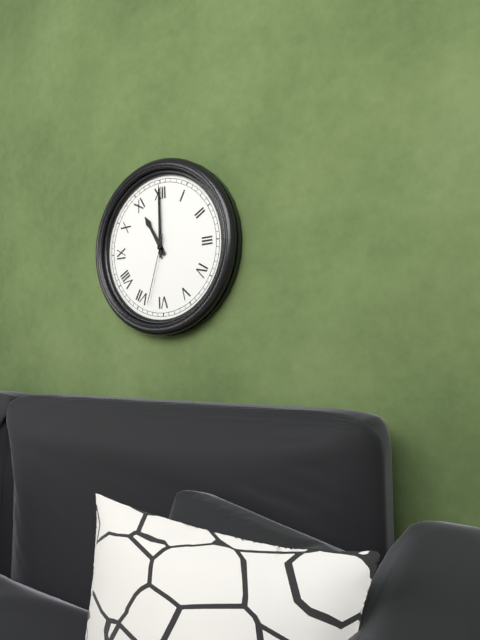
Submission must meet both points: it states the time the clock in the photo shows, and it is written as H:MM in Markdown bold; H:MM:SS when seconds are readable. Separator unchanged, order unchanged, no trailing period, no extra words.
**11:00:33**
